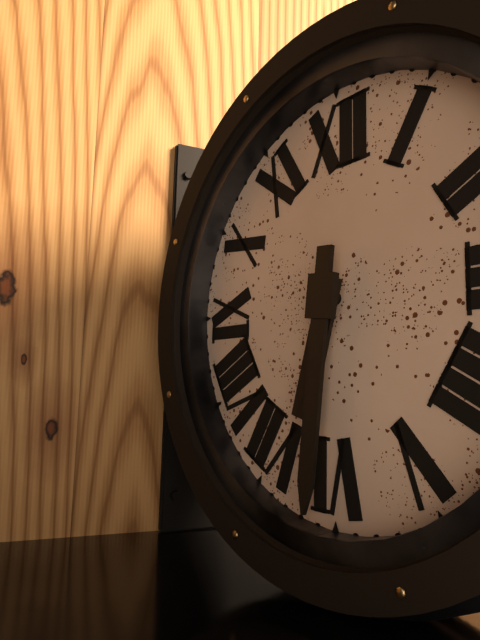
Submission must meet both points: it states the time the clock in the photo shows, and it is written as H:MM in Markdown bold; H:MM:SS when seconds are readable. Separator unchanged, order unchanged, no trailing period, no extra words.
**6:31**
